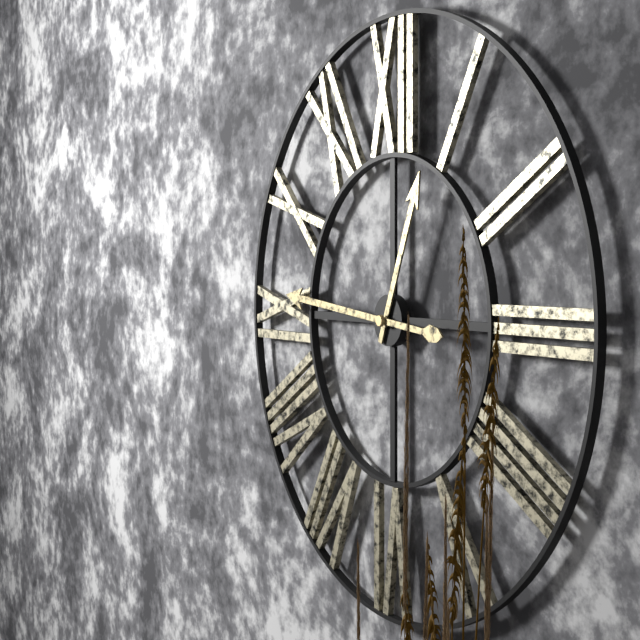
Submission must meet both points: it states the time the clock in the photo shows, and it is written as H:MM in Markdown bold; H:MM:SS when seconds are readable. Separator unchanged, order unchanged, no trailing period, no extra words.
**12:46**
